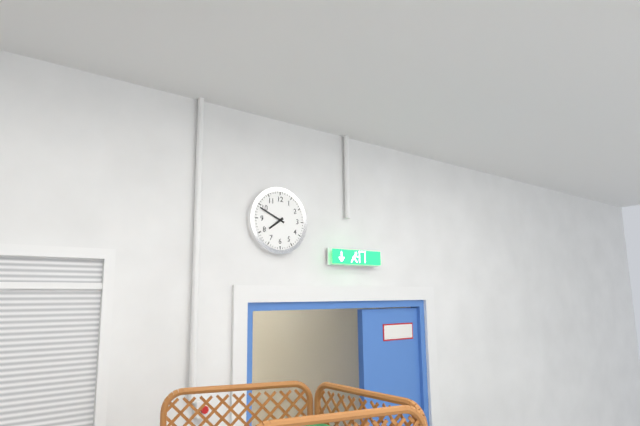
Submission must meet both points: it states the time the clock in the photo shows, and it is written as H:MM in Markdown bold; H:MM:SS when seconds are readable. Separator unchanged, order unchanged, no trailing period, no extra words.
**7:49**
